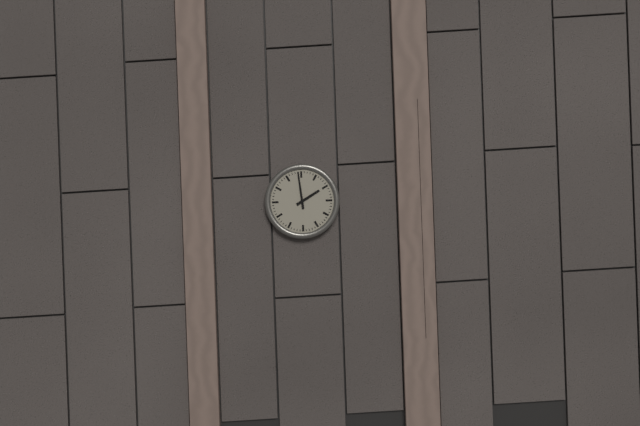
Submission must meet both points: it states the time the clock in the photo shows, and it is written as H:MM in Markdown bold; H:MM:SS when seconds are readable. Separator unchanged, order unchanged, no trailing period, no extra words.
**1:59**
